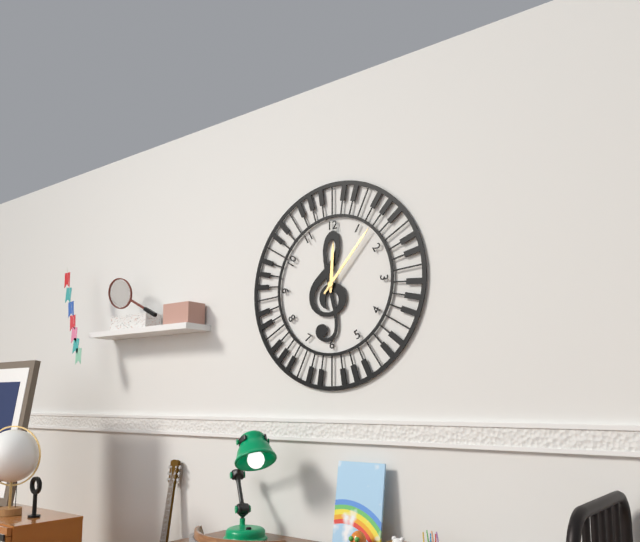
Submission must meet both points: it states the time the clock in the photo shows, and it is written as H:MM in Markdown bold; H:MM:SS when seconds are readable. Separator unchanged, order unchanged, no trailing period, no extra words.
**12:07**
